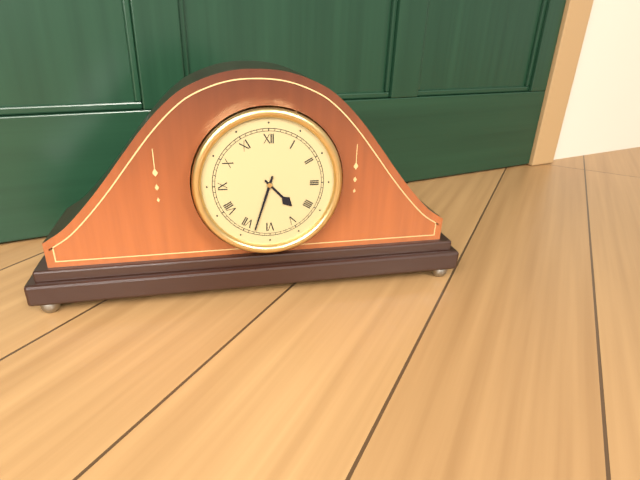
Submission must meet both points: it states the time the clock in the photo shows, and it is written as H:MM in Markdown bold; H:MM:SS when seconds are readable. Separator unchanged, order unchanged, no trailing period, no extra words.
**4:33**
